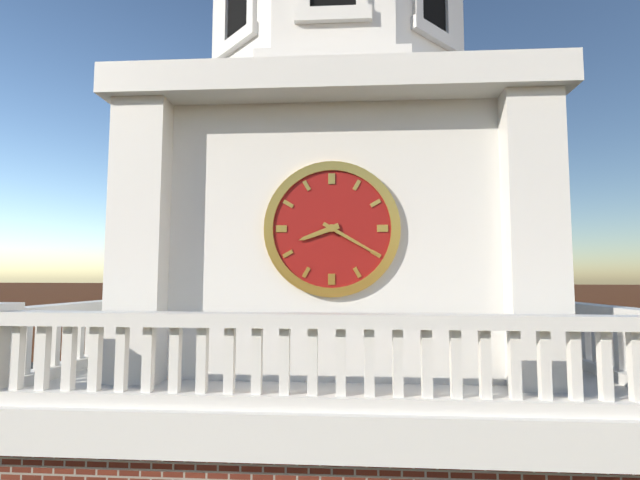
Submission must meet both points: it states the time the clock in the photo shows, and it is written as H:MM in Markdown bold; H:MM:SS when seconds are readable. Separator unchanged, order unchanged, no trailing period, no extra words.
**8:20**
